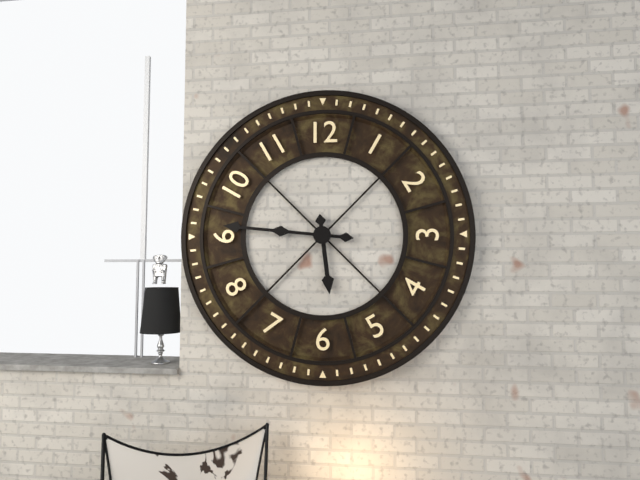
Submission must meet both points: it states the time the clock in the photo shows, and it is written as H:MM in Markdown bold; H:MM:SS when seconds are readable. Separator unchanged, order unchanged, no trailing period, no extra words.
**5:46**
